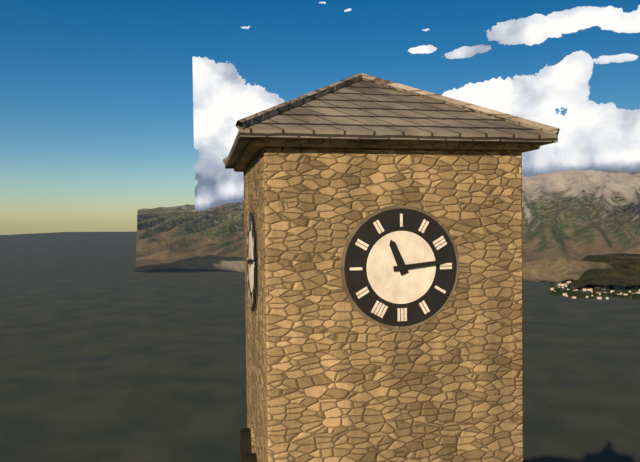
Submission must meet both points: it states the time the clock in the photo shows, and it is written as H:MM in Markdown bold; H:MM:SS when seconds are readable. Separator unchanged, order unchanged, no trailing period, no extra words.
**11:14**
